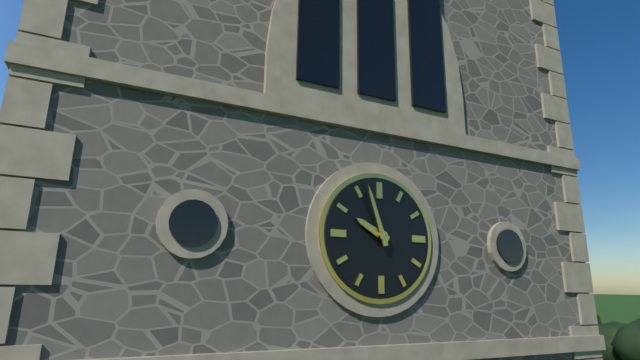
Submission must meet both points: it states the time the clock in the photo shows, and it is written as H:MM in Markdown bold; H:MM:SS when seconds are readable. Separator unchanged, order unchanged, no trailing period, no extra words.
**9:57**
